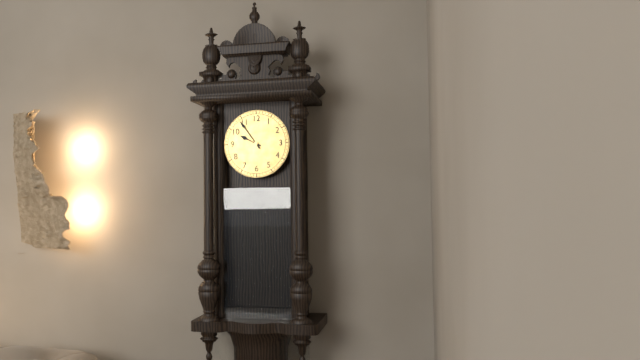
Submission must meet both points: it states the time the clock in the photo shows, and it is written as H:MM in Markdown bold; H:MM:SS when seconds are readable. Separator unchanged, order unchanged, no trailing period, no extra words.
**9:54**
